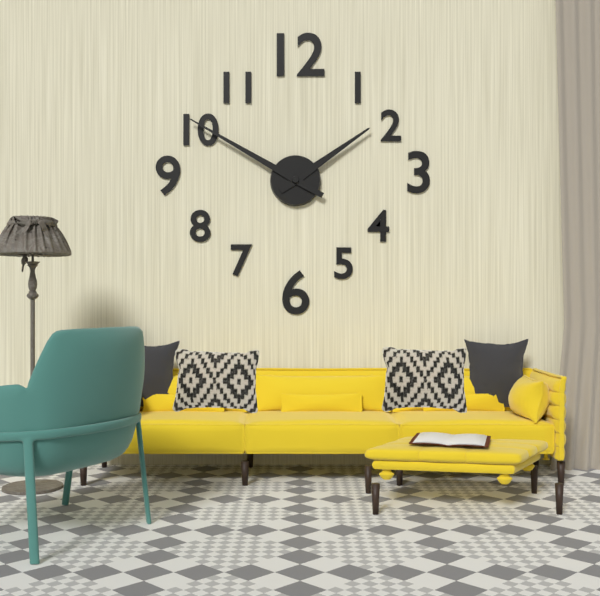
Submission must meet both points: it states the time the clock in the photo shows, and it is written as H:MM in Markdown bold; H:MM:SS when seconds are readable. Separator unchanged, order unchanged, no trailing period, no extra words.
**1:50**
